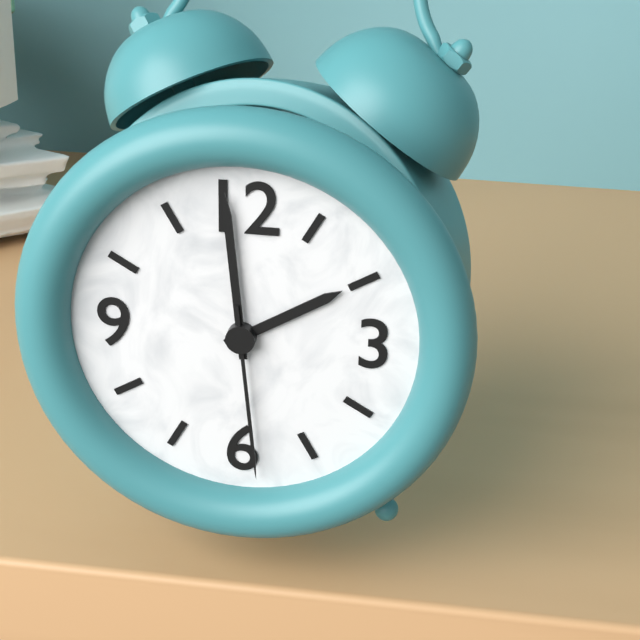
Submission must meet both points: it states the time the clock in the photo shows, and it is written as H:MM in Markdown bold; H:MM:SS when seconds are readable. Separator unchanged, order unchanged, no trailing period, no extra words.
**1:59:29**
